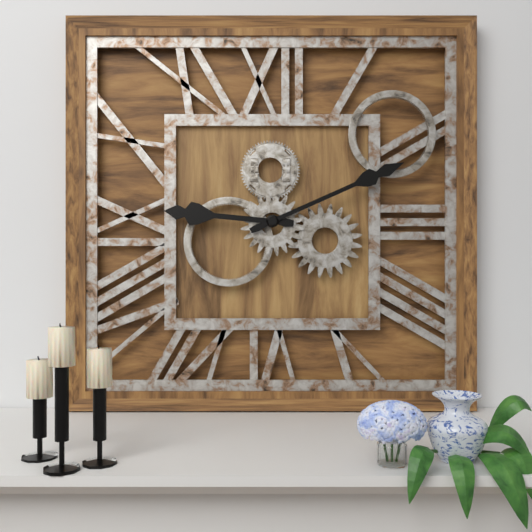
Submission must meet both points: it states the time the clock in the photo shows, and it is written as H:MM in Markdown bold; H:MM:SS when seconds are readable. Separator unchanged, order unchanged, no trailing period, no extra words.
**9:11**
